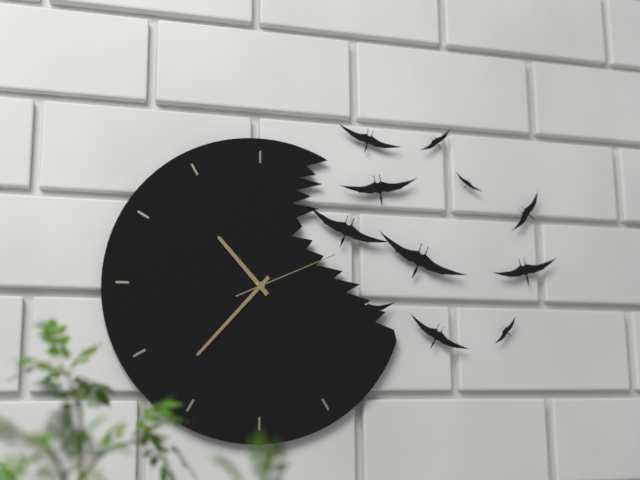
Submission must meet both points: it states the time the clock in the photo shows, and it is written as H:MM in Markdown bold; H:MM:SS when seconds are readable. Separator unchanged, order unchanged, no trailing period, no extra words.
**10:37:11**
